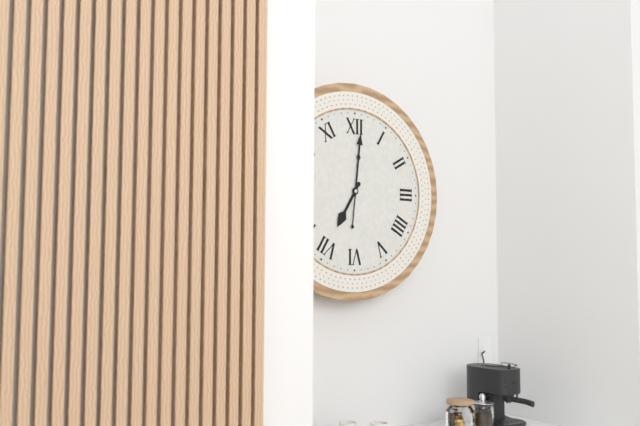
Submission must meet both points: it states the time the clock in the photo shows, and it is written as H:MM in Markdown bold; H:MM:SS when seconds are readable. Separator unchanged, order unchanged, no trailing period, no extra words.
**7:01**
